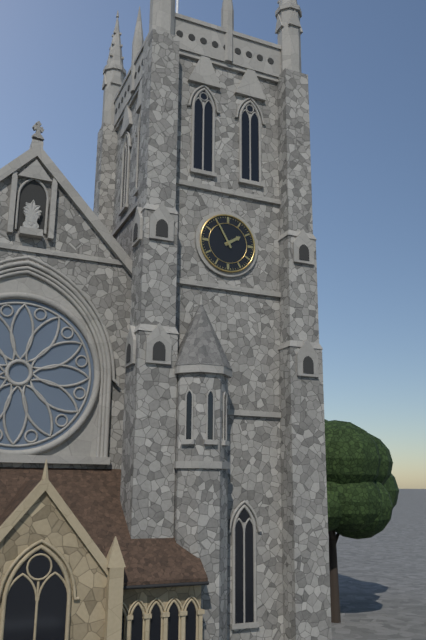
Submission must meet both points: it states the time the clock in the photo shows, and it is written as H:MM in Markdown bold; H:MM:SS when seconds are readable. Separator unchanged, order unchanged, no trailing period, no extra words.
**1:55**
